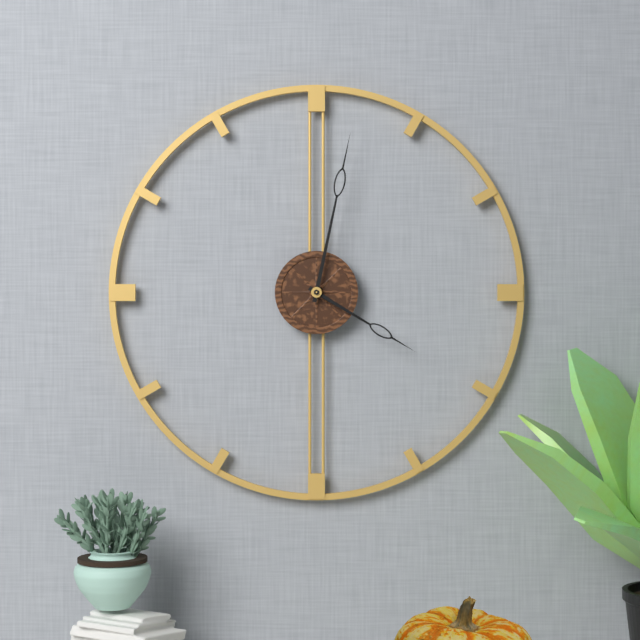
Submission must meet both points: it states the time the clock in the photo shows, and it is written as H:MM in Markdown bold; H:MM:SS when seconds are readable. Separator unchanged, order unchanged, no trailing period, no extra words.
**4:02**
